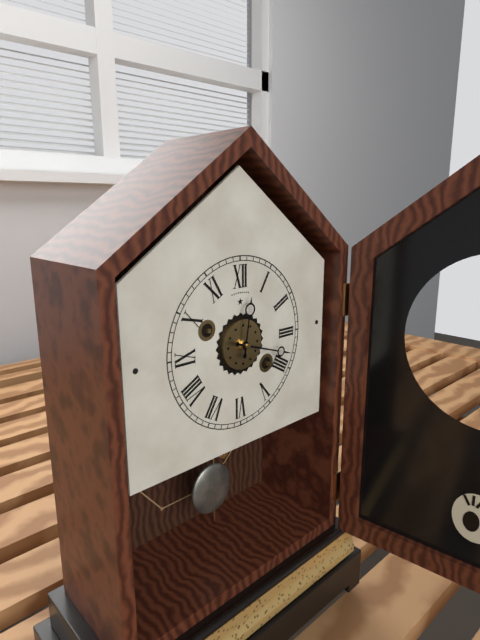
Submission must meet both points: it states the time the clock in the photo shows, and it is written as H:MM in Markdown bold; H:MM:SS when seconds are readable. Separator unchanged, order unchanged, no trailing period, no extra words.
**12:18**
